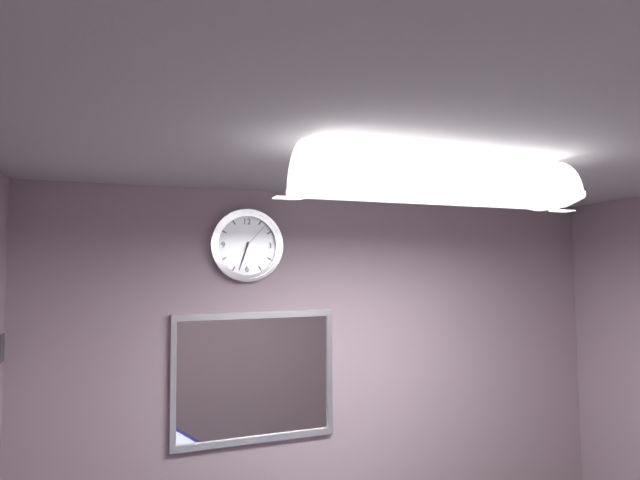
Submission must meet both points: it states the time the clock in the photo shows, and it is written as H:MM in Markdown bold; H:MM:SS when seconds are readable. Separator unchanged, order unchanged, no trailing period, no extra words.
**6:33**
